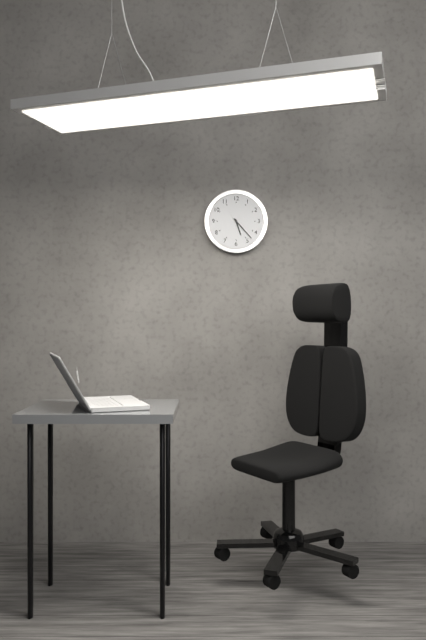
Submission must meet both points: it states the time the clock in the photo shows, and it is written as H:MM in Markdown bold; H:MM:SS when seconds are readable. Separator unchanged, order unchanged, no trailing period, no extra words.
**5:23**
